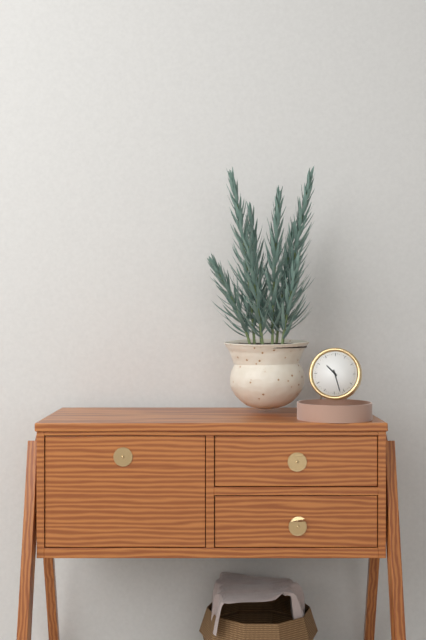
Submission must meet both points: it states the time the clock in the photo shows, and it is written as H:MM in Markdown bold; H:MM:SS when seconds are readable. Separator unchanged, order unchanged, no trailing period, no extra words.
**10:27**
